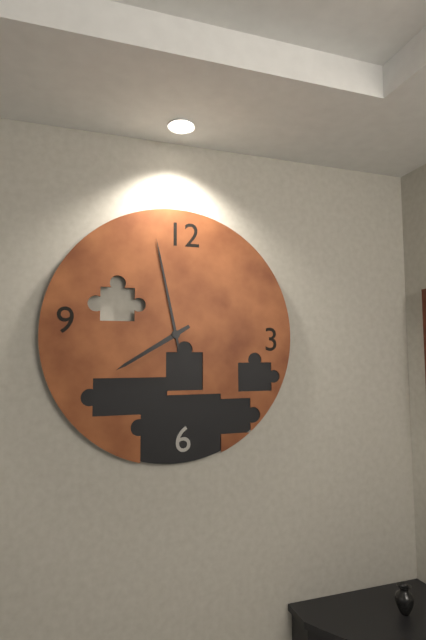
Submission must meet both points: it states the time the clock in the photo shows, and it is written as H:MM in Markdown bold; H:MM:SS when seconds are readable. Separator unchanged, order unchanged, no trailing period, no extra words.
**7:58**
